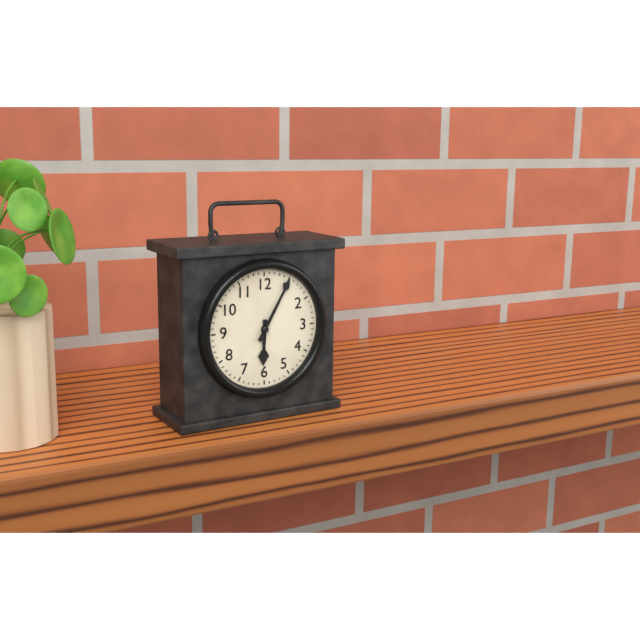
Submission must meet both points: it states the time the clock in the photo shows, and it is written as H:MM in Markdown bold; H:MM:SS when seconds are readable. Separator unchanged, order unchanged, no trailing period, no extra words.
**6:05**
